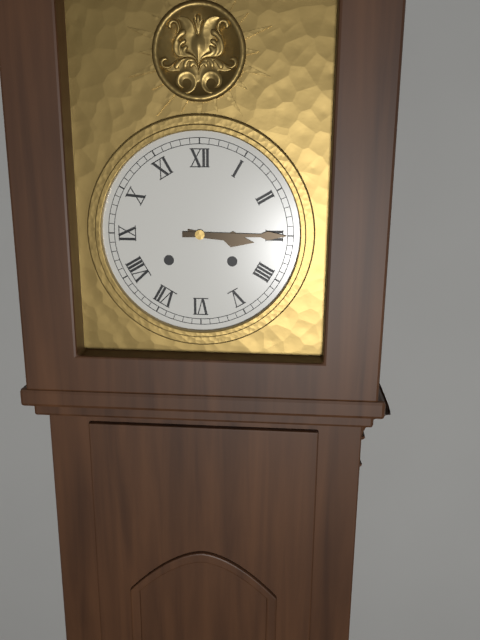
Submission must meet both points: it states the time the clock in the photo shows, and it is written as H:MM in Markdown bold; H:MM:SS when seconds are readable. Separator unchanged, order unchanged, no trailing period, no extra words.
**3:15**
